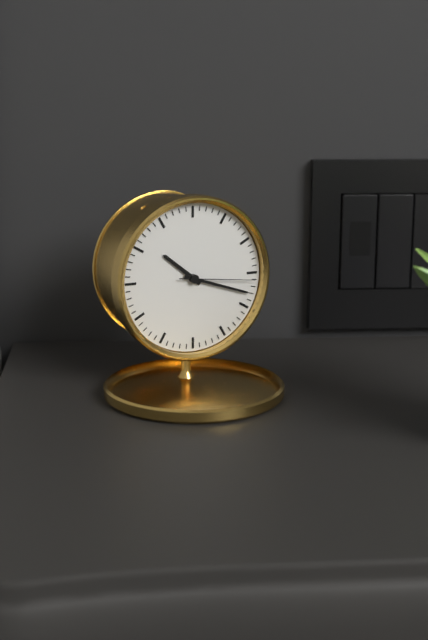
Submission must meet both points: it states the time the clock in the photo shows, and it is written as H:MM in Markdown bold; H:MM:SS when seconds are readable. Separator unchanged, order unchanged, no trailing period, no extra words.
**10:18:16**
